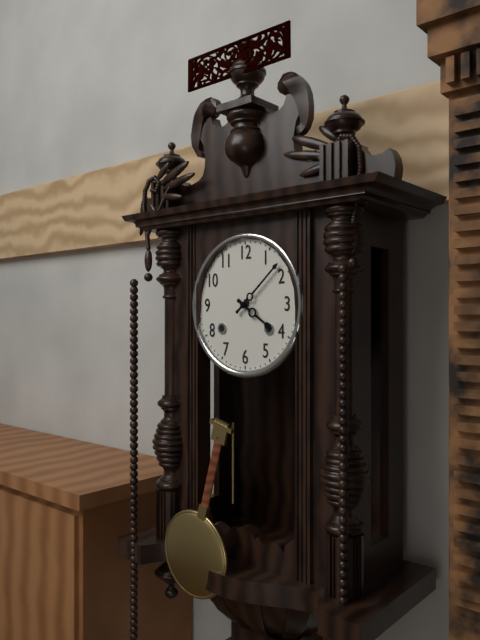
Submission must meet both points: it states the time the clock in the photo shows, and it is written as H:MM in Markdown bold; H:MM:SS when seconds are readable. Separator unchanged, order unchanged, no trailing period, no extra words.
**4:08**
